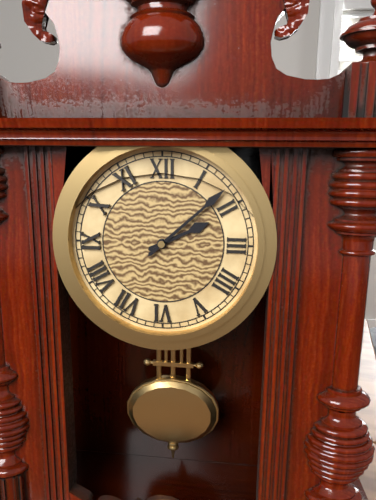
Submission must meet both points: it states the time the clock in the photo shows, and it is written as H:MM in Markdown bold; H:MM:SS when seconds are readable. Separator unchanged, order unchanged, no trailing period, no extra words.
**2:08**
